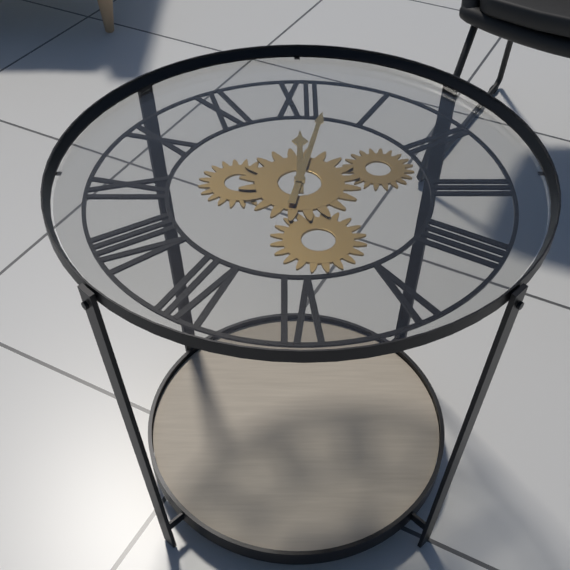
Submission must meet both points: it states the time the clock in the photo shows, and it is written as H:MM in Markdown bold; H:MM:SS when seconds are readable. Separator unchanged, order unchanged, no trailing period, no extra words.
**12:02**
